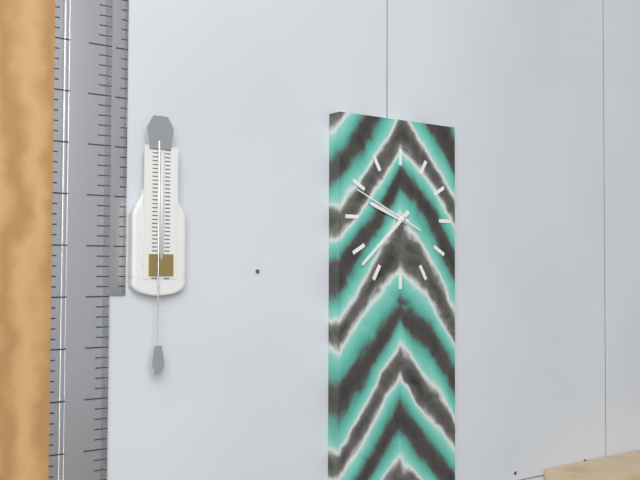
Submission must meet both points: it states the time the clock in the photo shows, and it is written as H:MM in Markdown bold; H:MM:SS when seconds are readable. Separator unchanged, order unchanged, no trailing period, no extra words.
**9:38:49**
